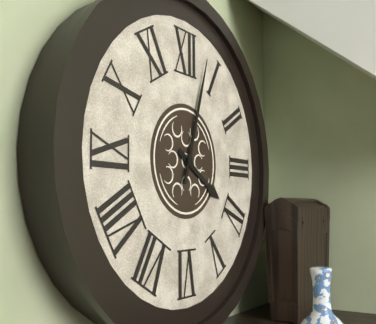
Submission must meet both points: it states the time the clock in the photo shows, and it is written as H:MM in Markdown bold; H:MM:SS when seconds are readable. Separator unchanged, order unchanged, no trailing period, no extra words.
**4:03**
